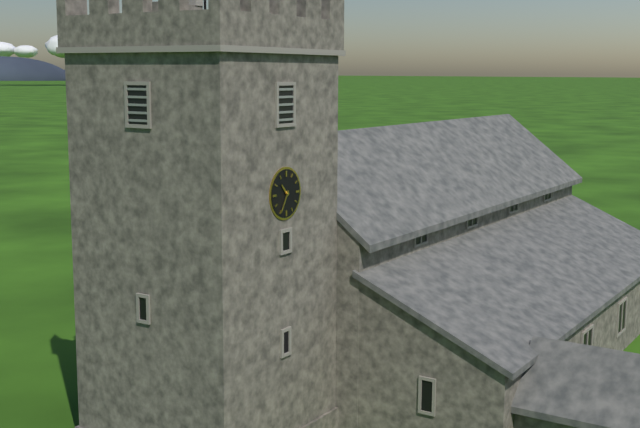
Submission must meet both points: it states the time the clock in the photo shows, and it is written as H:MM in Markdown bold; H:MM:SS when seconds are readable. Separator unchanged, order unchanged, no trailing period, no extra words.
**10:35**
